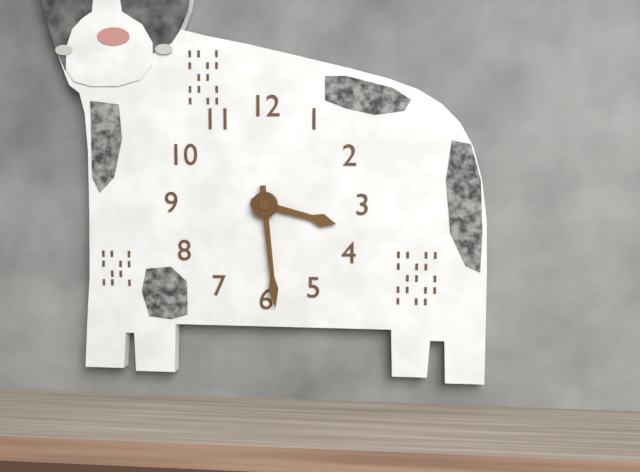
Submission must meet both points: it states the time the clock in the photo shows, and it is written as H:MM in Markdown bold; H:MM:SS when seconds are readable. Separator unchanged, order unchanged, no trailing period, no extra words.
**3:29**
